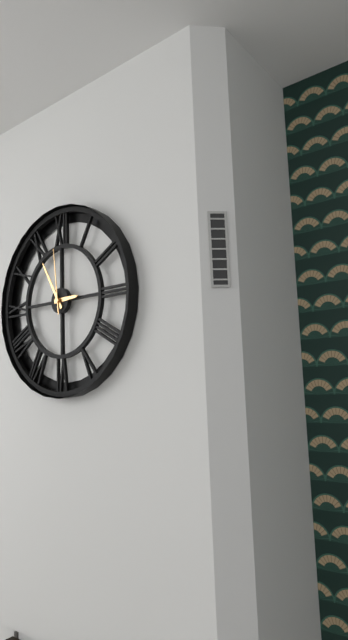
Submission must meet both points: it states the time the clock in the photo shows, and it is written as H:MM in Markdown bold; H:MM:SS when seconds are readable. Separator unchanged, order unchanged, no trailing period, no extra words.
**2:55:59**
